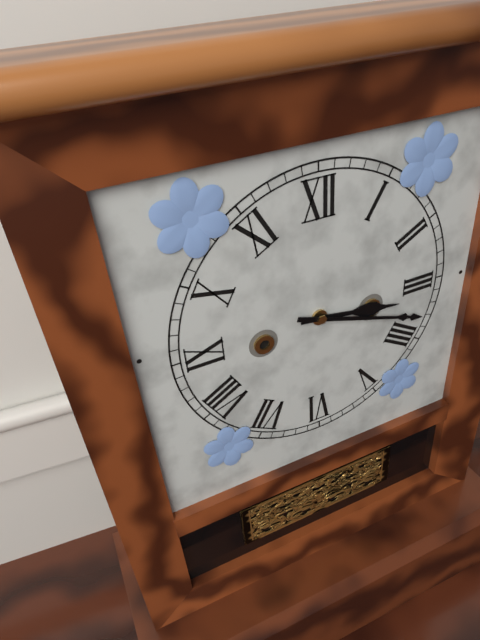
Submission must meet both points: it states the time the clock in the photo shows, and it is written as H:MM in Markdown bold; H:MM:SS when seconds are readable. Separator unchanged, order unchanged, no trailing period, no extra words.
**3:18**
